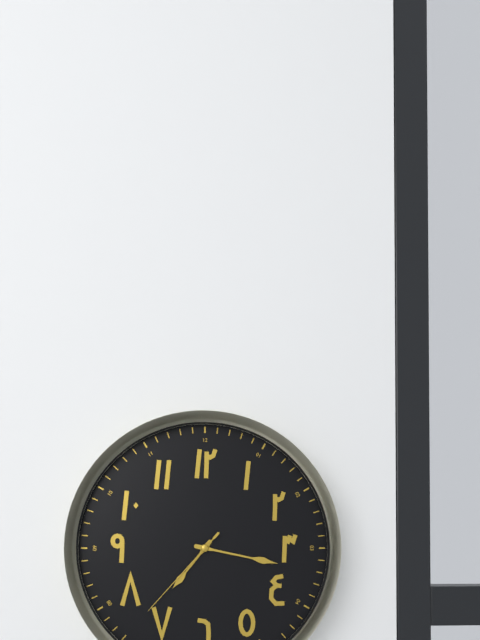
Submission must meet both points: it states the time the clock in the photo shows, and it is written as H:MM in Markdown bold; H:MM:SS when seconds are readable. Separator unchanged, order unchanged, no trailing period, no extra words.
**7:17:37**
